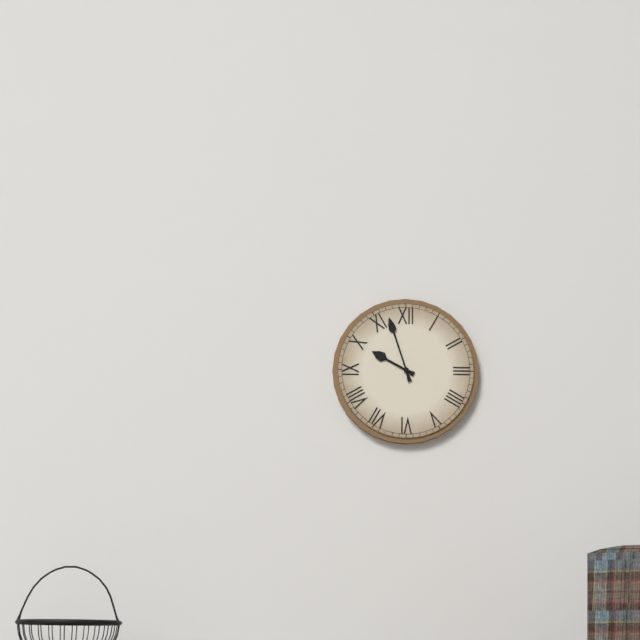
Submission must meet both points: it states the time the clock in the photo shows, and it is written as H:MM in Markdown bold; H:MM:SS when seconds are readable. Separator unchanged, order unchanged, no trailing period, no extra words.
**9:57**
